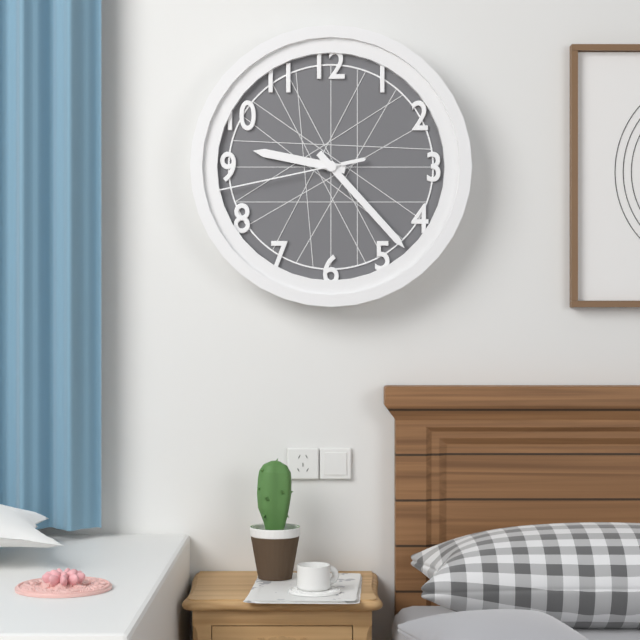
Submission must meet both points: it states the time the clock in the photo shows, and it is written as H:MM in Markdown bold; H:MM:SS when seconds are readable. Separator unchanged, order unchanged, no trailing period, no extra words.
**9:23:43**
